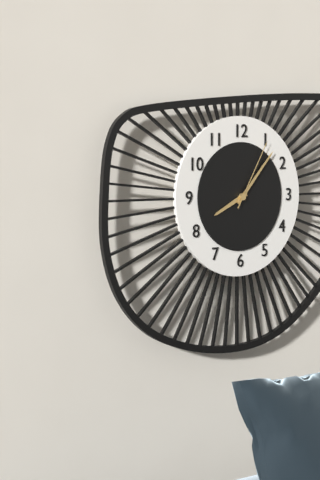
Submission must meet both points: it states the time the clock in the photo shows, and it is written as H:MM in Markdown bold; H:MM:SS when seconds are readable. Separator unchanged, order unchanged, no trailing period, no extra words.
**8:07:05**
